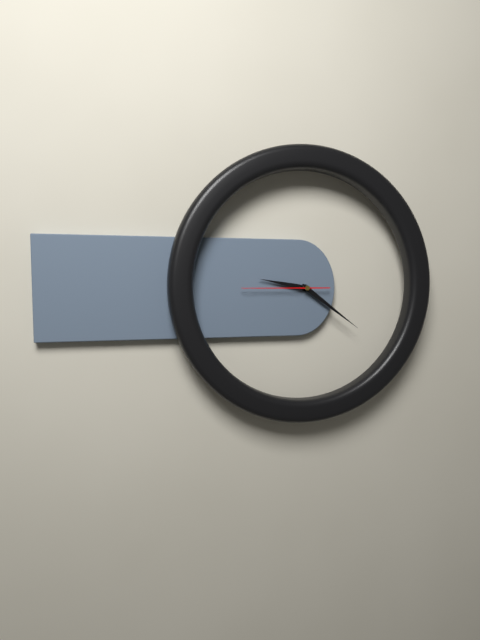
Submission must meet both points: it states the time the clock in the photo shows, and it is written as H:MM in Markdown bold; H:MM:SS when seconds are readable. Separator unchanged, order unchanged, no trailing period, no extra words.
**9:21:45**
